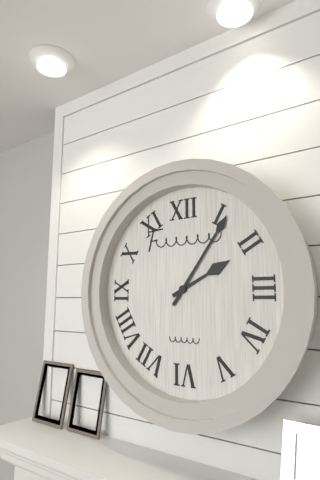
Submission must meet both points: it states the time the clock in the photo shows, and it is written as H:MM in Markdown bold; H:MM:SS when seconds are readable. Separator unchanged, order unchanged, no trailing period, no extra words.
**2:06**
